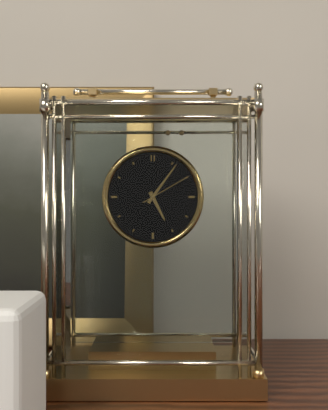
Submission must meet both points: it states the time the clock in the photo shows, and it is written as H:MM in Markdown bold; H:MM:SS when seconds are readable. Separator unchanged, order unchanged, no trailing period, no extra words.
**5:06:10**
